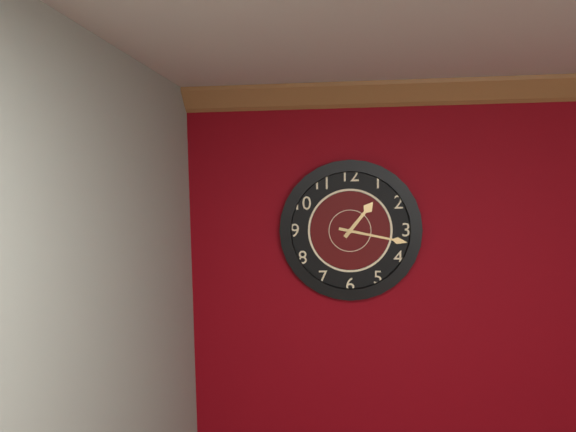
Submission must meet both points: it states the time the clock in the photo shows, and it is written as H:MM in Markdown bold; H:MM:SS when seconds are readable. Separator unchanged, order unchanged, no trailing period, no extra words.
**1:17**
